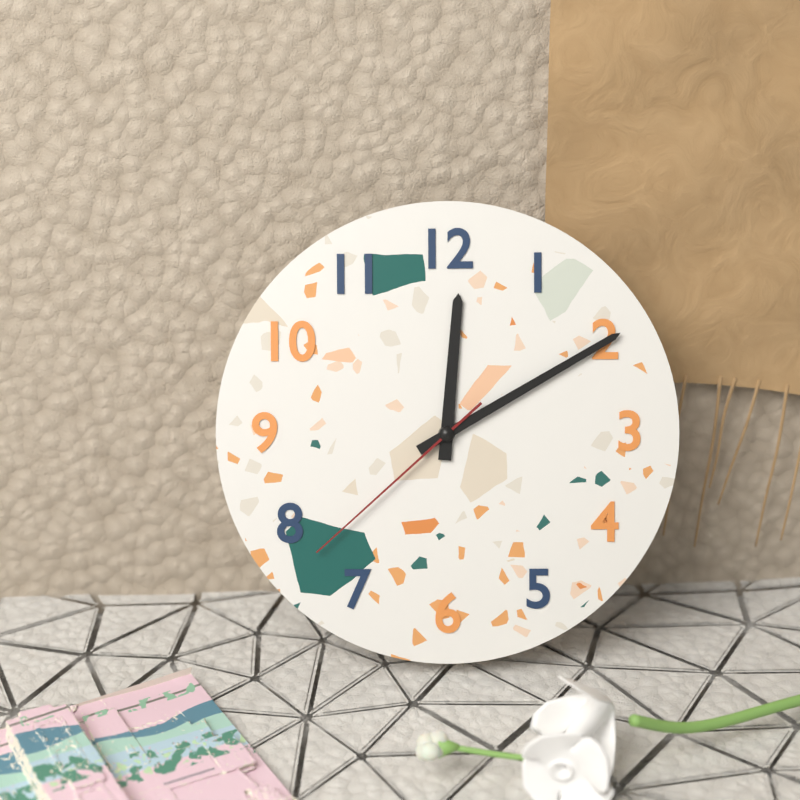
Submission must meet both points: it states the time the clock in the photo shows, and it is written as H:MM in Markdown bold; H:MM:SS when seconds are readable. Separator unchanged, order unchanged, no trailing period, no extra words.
**12:10:38**
